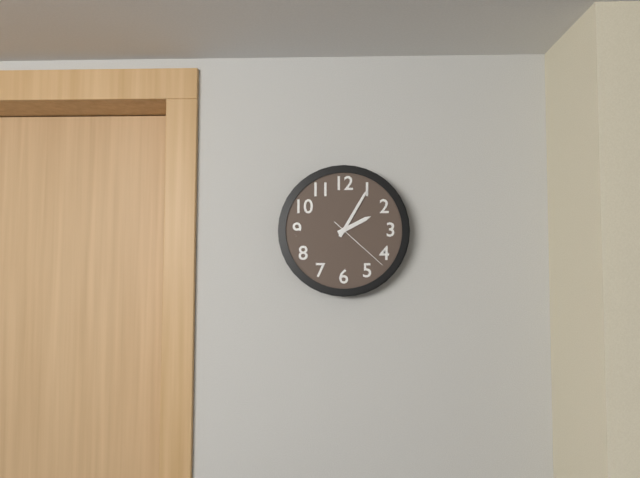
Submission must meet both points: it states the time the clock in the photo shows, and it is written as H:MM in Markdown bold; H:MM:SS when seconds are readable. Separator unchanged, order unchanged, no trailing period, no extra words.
**2:05:22**
